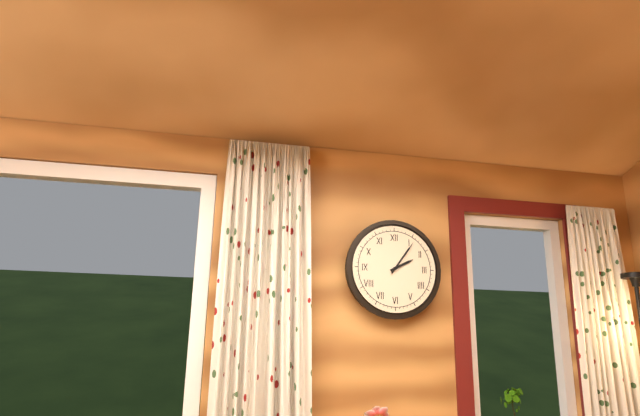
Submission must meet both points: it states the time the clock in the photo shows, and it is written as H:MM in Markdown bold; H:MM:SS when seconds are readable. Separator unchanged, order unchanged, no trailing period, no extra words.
**2:06**
